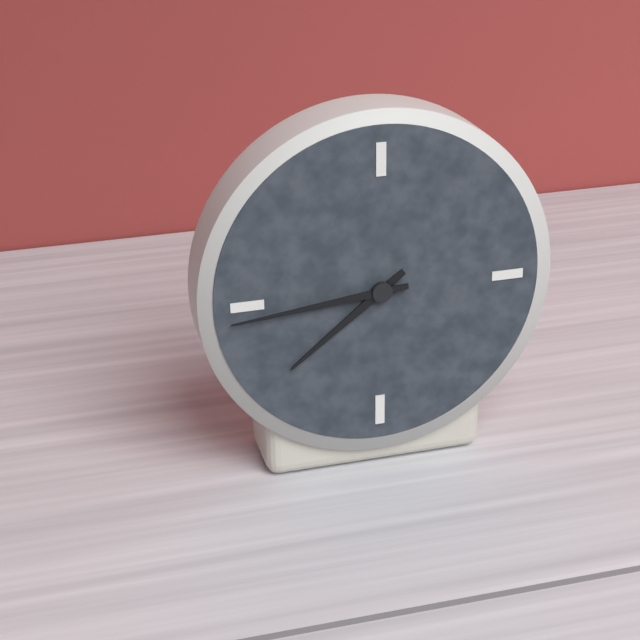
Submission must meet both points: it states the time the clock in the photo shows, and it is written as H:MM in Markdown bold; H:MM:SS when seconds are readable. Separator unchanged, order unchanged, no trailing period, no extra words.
**7:44**
